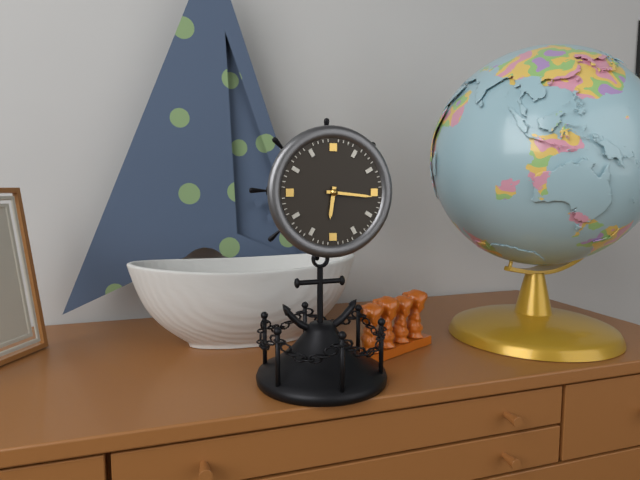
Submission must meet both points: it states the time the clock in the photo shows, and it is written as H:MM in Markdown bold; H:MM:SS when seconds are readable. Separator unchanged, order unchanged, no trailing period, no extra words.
**6:16**
